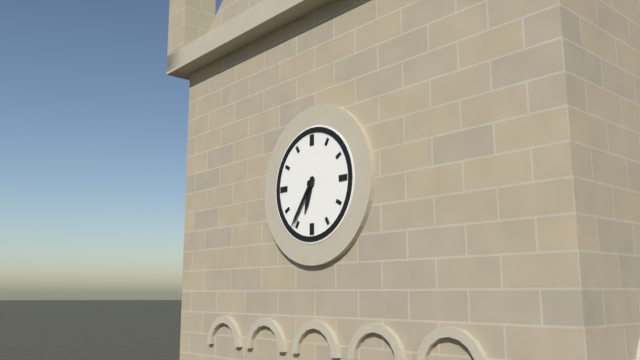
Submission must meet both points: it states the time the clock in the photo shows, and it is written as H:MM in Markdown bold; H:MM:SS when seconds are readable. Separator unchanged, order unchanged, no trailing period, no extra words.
**6:36**
